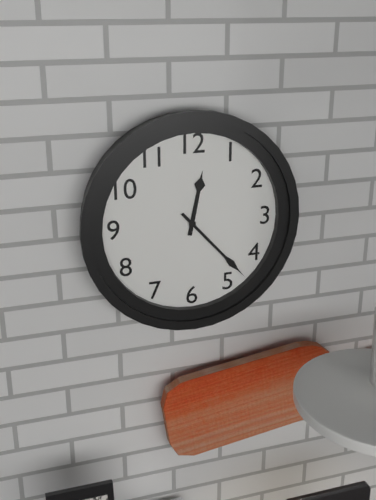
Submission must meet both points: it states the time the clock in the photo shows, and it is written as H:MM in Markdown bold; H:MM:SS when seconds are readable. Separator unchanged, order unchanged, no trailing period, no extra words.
**12:23**
